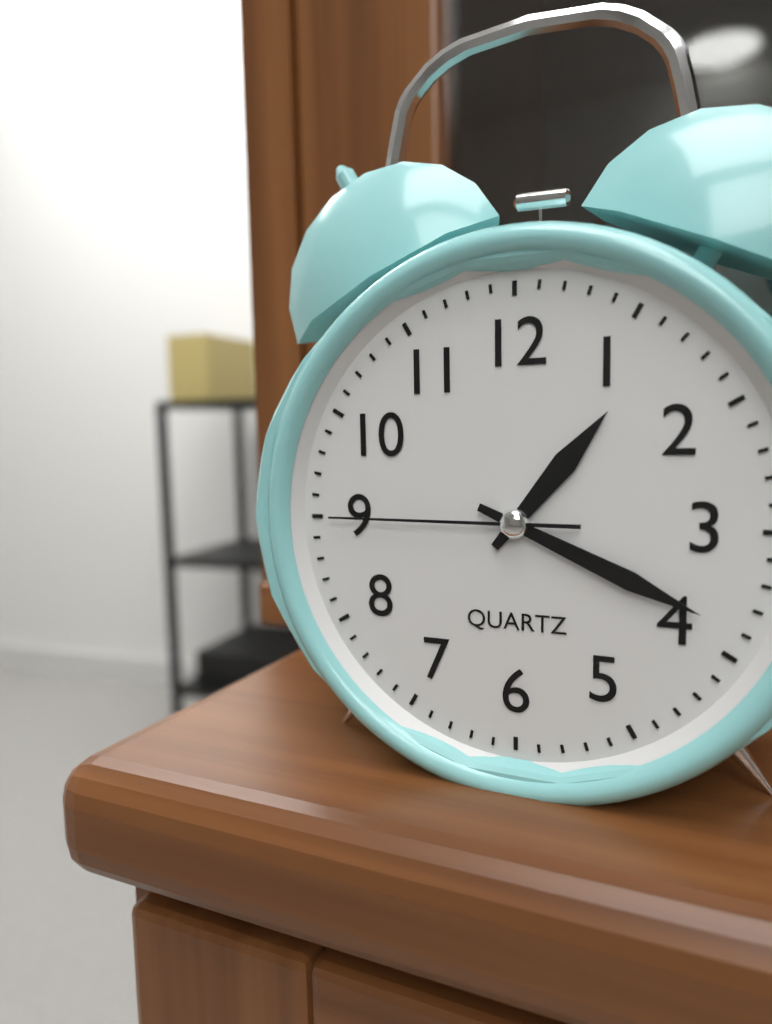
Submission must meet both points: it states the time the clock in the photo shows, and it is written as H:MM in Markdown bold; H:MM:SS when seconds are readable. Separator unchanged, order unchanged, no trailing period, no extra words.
**1:19:45**
